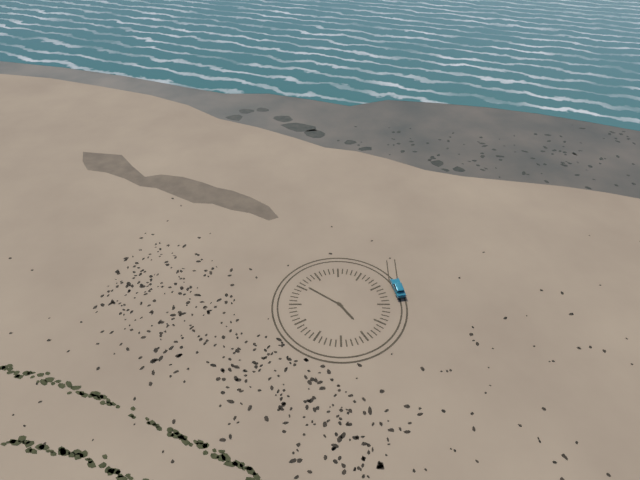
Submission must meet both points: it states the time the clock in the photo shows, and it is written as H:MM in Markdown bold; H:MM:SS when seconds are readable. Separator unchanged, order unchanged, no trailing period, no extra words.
**4:51**
